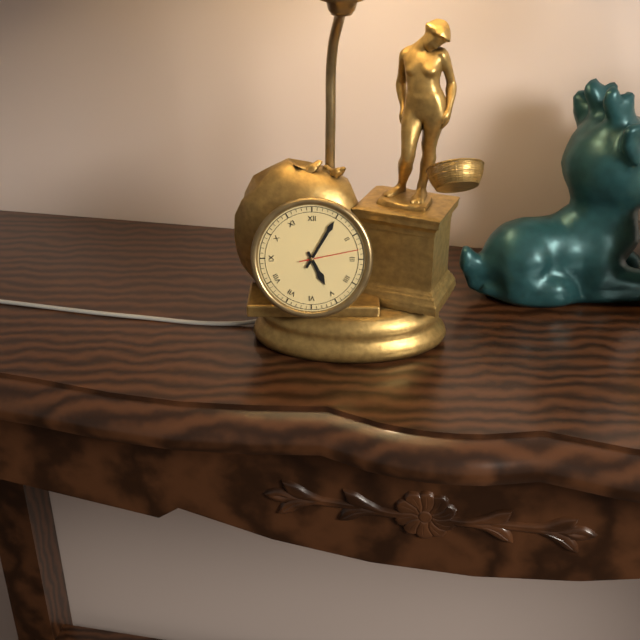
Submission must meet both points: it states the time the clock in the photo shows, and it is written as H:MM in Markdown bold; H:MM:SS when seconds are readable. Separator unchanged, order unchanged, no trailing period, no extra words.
**5:05:13**
